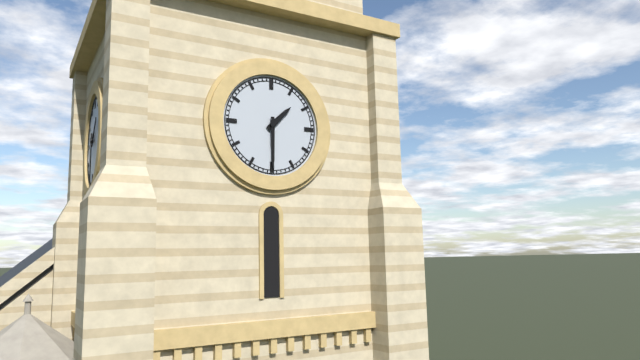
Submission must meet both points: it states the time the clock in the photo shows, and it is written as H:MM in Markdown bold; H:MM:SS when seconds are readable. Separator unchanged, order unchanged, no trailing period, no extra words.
**1:30**
